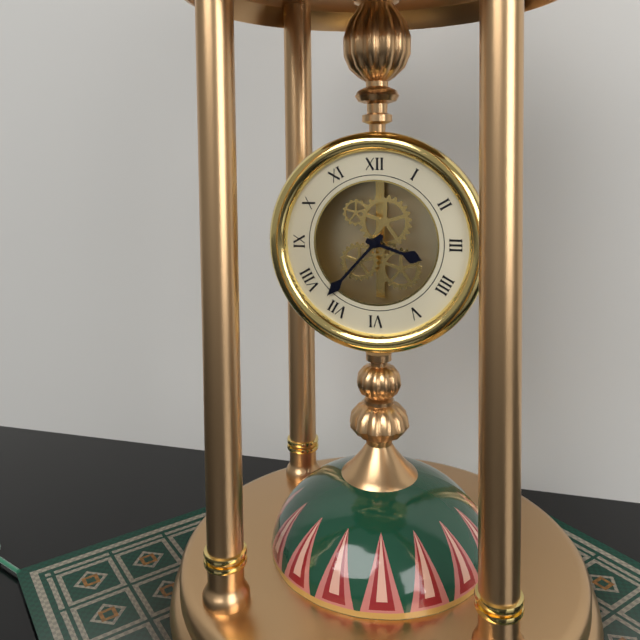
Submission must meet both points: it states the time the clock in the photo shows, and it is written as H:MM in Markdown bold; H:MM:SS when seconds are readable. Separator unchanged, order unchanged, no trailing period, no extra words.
**3:37**
